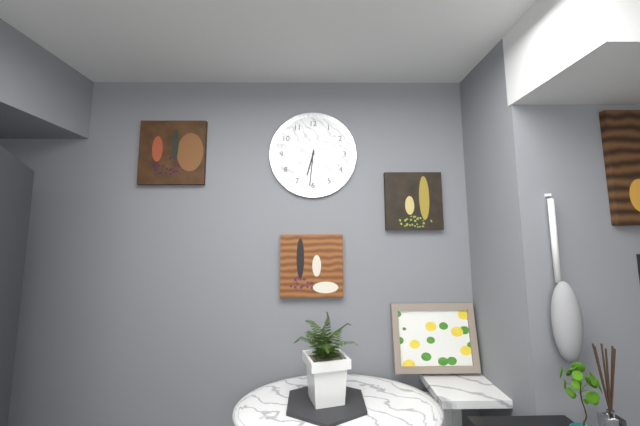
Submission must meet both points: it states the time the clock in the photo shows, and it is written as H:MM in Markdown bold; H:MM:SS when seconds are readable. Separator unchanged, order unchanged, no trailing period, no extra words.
**6:31**
